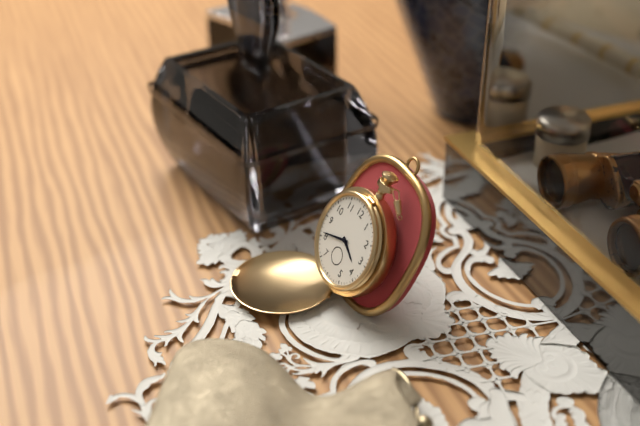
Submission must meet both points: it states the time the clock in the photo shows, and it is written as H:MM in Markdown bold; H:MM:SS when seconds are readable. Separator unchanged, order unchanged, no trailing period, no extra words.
**3:41**
